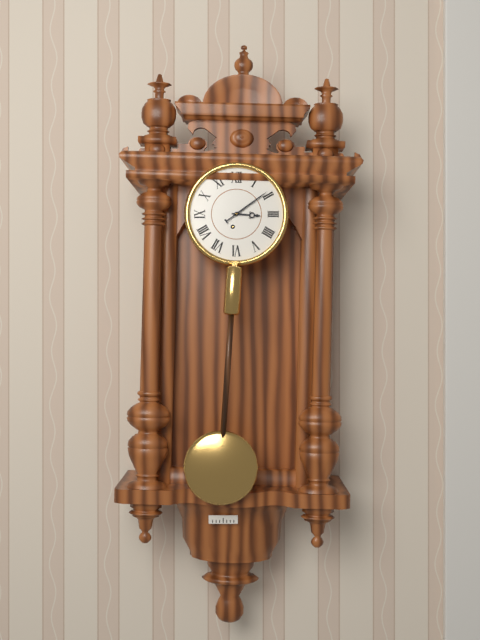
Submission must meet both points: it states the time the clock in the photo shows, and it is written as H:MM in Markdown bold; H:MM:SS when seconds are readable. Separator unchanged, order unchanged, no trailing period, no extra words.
**3:09**
